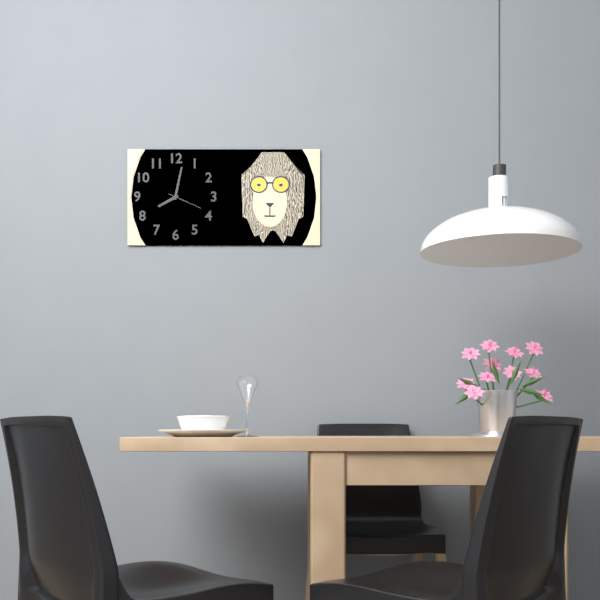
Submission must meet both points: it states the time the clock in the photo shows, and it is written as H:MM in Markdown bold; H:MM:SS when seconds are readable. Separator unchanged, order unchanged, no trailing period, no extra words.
**8:02**
